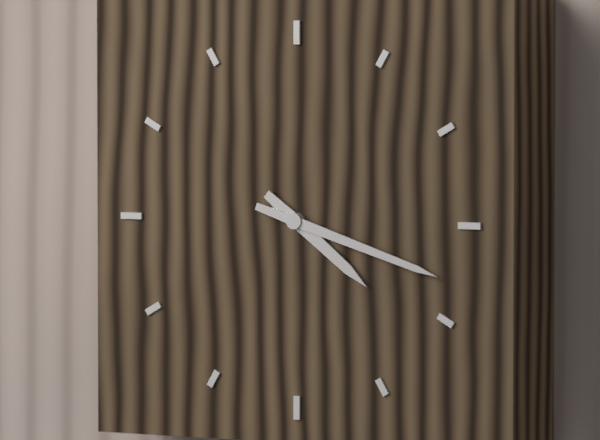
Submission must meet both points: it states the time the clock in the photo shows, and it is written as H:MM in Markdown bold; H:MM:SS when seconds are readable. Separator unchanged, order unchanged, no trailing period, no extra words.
**4:18**
